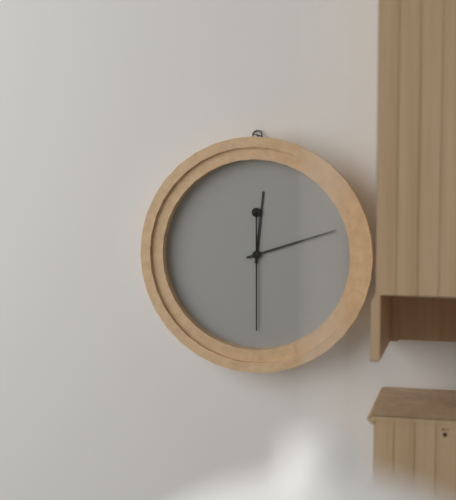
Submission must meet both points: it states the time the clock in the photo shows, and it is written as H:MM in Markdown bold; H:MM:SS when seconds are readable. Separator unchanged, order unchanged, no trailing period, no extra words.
**12:12:30**
